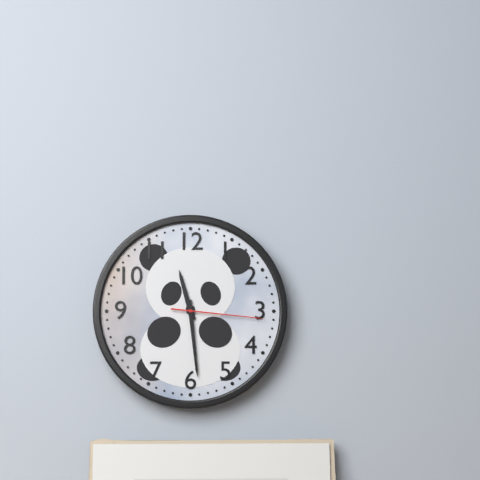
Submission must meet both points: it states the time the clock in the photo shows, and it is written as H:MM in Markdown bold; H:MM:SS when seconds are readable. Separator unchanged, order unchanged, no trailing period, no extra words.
**11:29:16**
